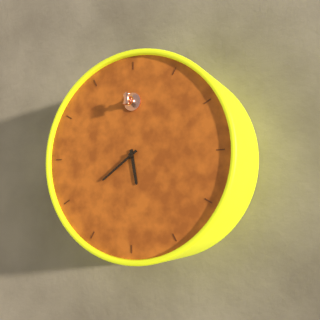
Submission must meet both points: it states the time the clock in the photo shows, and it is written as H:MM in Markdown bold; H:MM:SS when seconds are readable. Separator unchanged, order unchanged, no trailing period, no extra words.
**5:39**
